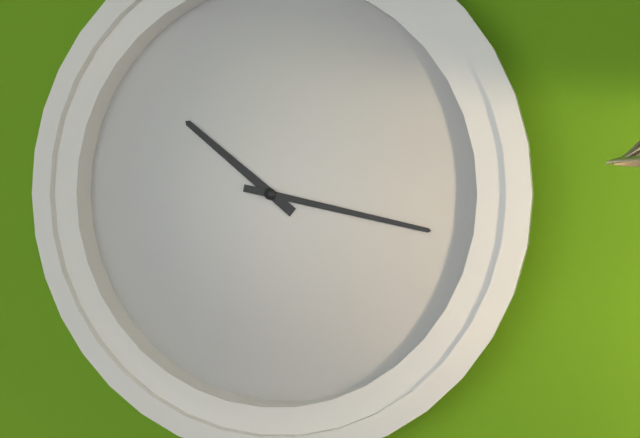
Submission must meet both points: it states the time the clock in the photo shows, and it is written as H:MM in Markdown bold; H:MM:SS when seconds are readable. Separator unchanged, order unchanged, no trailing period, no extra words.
**10:17**
